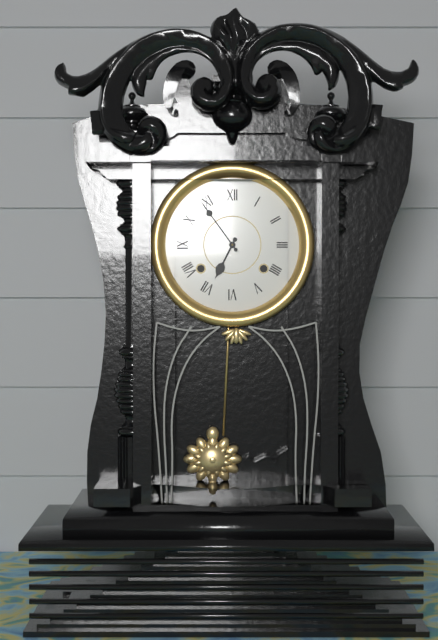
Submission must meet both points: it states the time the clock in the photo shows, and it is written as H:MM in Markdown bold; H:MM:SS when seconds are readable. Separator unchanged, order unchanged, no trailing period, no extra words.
**6:54**
